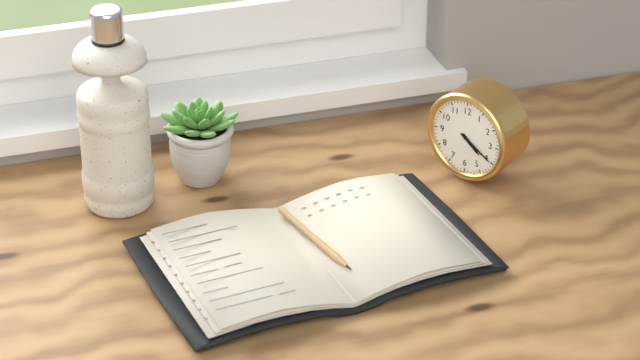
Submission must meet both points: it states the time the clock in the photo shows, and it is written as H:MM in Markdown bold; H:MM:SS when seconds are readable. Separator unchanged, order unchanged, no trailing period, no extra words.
**4:20**
